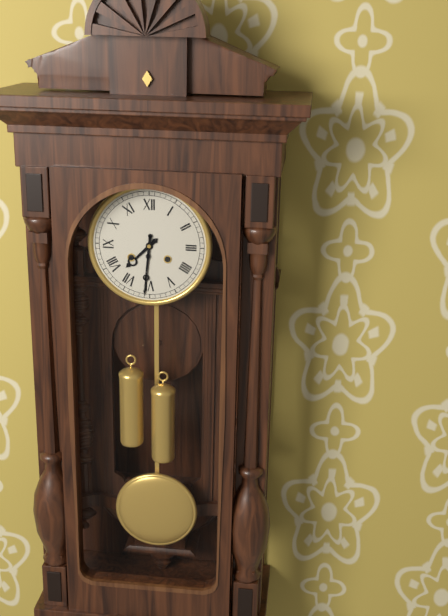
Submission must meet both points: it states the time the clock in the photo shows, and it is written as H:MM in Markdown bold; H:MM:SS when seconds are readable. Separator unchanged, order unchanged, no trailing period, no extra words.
**7:31**
